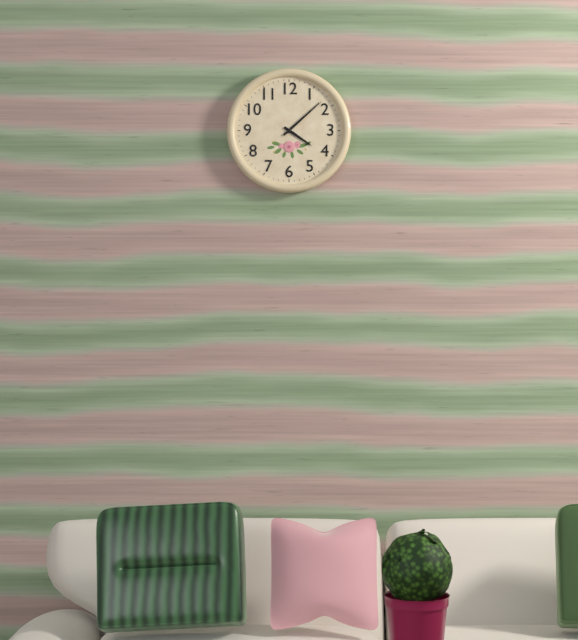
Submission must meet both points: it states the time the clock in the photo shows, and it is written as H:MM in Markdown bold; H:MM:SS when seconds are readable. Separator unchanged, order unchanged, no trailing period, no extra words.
**4:08**
